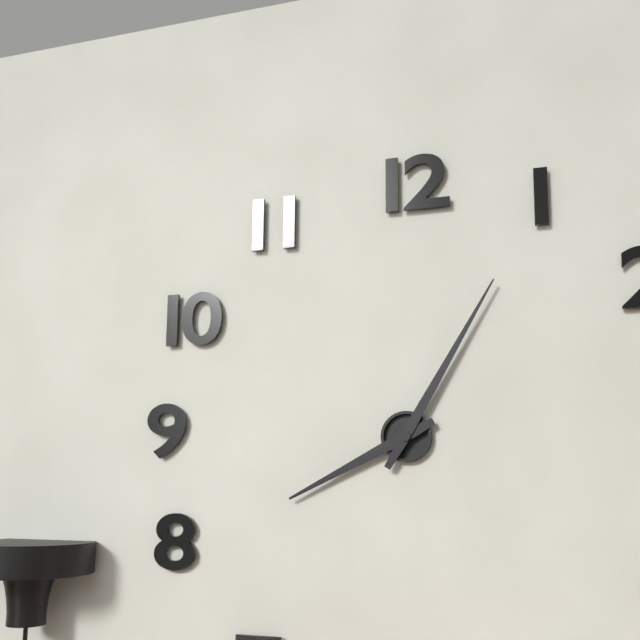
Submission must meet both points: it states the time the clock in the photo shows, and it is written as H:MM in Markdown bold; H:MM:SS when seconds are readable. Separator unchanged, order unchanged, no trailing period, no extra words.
**8:05**
